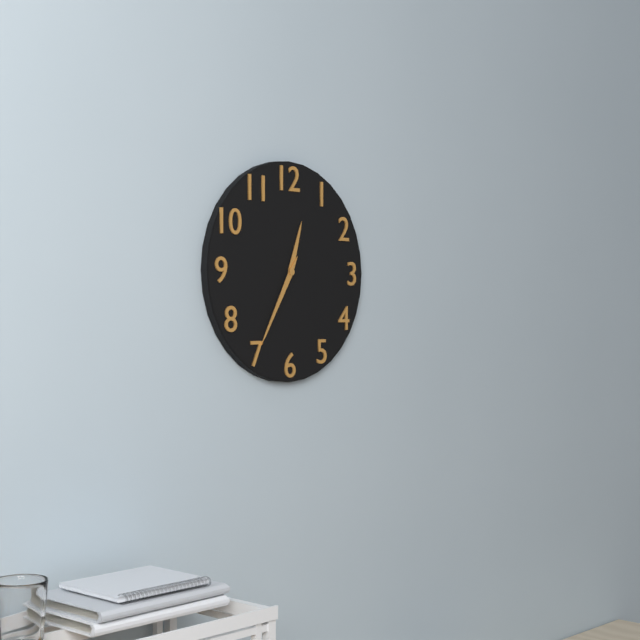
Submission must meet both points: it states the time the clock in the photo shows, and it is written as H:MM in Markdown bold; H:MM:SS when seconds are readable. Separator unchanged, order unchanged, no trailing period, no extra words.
**12:35**
